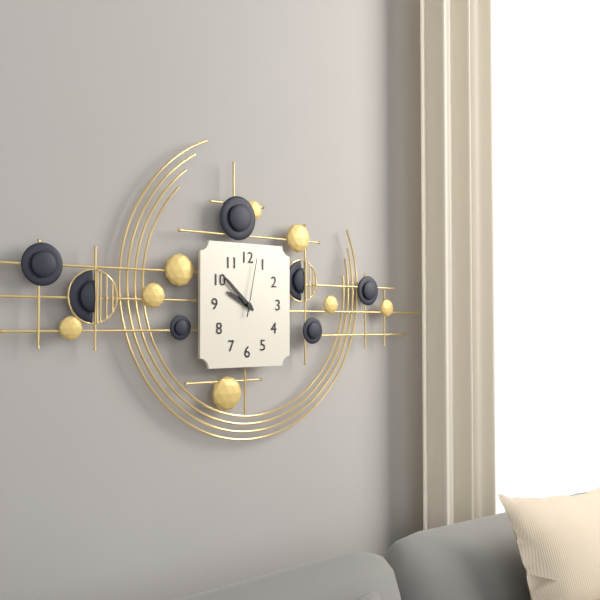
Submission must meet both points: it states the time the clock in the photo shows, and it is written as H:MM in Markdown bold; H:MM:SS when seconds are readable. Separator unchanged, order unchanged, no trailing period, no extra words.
**9:52:02**
